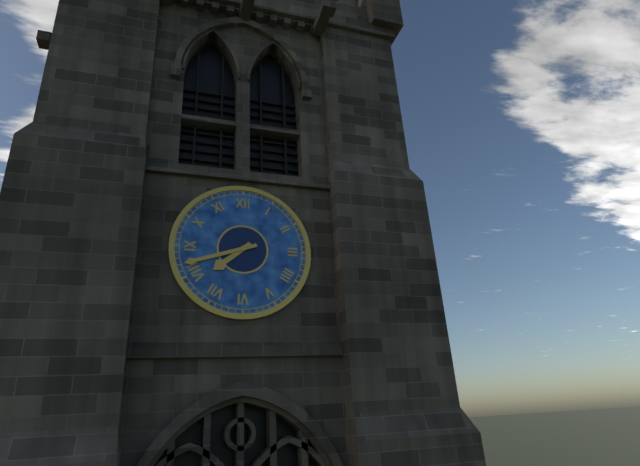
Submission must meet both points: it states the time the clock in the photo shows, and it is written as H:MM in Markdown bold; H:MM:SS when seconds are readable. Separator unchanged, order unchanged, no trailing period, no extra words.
**7:42**
